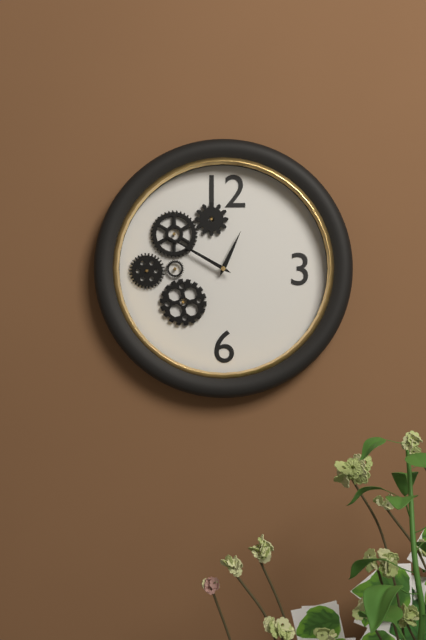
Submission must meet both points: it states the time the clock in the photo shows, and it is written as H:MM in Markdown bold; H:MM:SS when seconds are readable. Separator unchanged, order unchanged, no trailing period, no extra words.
**12:50**
